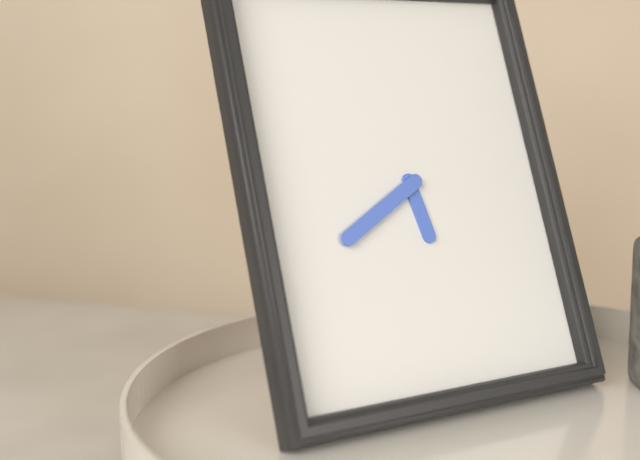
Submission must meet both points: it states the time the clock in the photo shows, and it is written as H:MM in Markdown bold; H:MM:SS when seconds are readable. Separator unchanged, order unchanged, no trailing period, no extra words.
**5:40**
